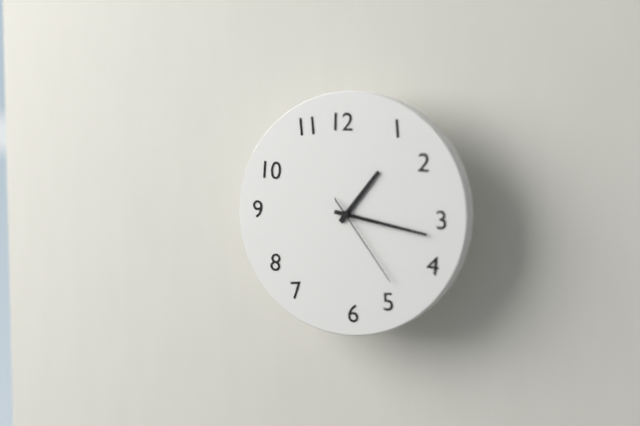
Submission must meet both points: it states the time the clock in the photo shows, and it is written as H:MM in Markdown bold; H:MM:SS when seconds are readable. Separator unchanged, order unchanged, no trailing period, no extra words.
**1:17:24**
